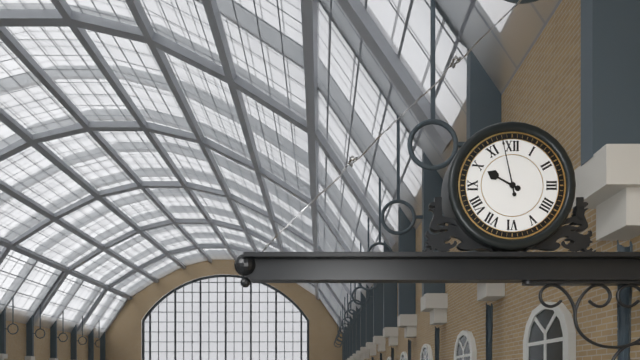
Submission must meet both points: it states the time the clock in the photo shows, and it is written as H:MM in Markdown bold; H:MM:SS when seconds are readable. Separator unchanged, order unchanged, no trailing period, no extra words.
**9:58**
